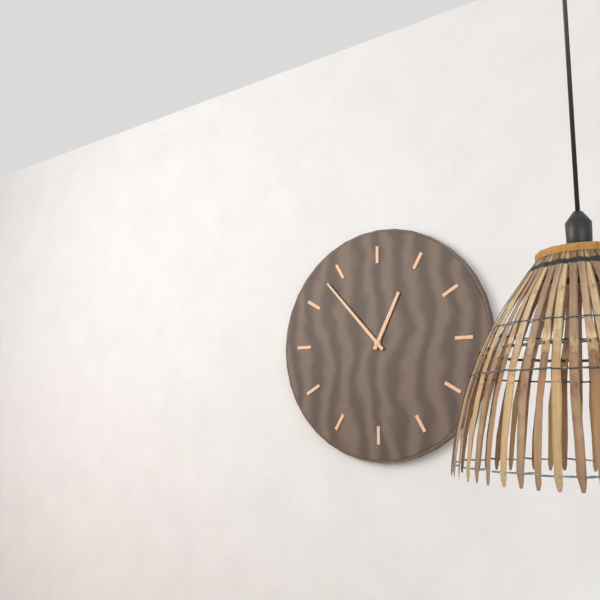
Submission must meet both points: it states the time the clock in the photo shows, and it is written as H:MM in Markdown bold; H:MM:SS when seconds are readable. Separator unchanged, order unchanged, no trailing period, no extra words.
**12:53**
